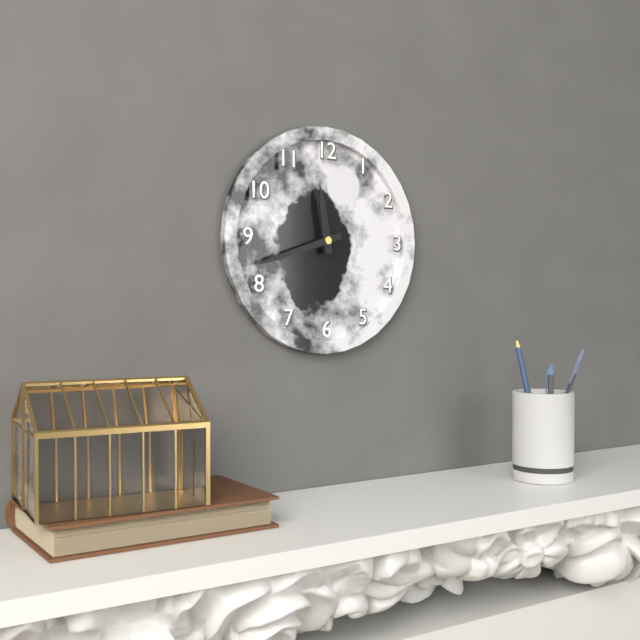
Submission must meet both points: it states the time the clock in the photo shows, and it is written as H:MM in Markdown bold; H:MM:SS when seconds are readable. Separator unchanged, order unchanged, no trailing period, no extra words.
**11:42**
